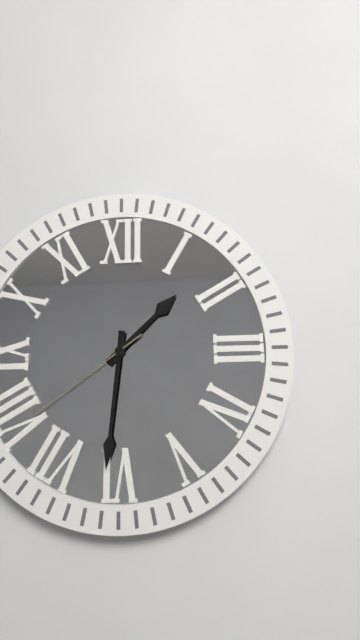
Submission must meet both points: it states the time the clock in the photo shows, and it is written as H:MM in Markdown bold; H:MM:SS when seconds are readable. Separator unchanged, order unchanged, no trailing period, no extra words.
**1:31:39**
